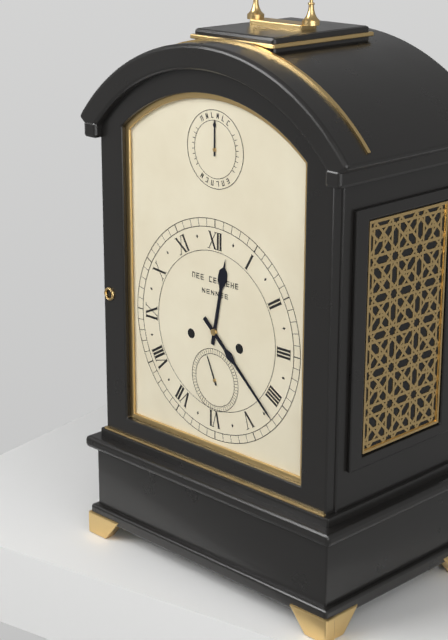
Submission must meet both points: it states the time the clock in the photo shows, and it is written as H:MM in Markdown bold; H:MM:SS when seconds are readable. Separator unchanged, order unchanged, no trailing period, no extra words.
**12:22**
